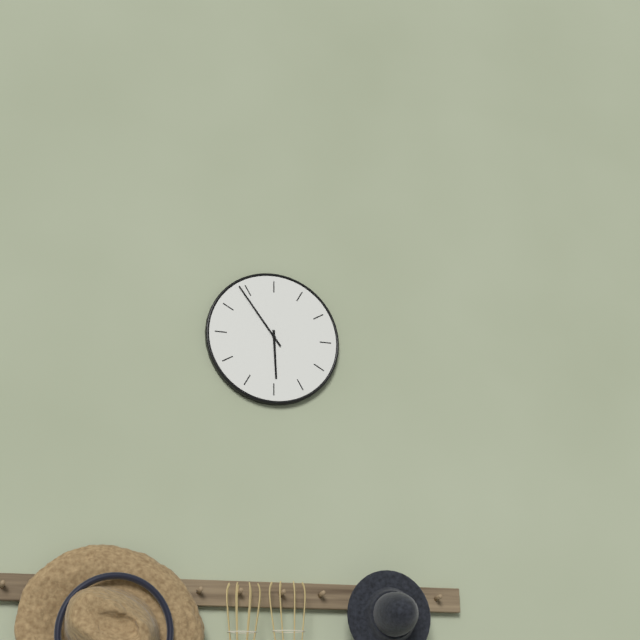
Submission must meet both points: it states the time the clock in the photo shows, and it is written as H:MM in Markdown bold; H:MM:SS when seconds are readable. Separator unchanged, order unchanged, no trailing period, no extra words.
**5:54**
